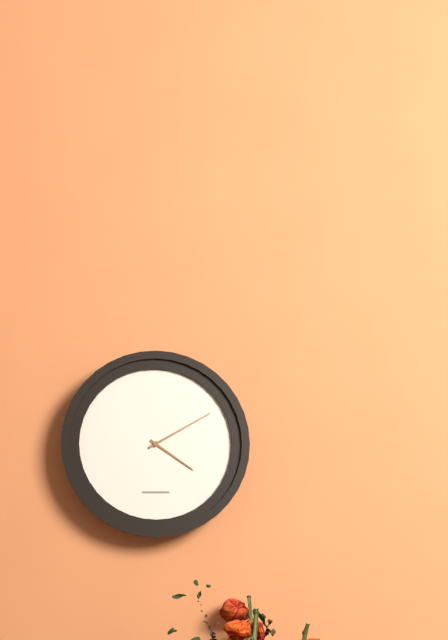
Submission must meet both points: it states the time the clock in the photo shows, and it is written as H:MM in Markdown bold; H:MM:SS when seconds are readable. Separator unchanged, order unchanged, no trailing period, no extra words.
**4:10**
